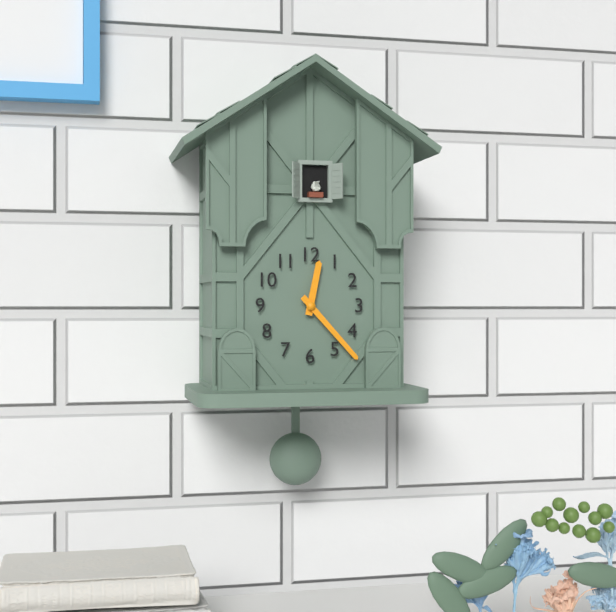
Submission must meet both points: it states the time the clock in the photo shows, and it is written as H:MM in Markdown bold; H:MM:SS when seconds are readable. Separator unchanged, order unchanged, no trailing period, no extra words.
**12:23**
